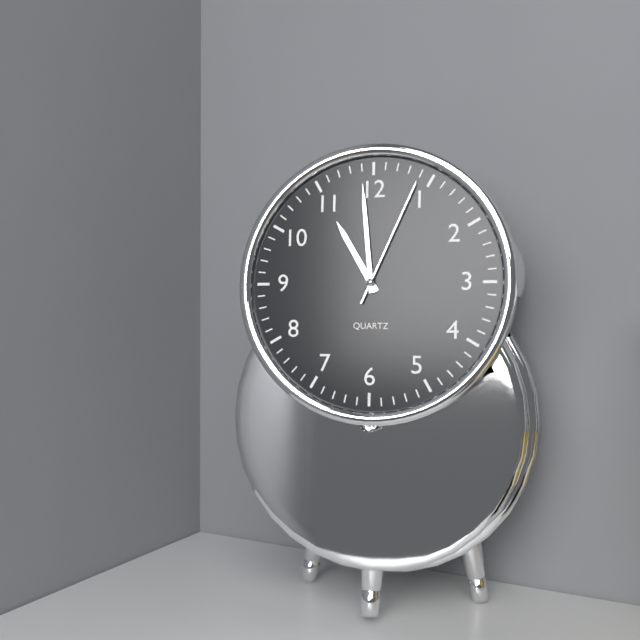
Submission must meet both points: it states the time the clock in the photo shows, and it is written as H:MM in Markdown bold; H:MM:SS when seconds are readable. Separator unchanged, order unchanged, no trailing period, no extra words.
**10:59:04**
